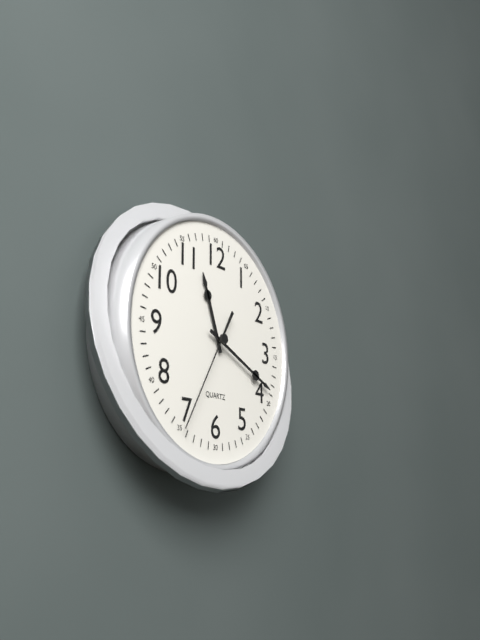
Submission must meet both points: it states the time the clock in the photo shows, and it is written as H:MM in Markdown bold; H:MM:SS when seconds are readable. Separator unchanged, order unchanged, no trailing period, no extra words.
**11:19:35**
